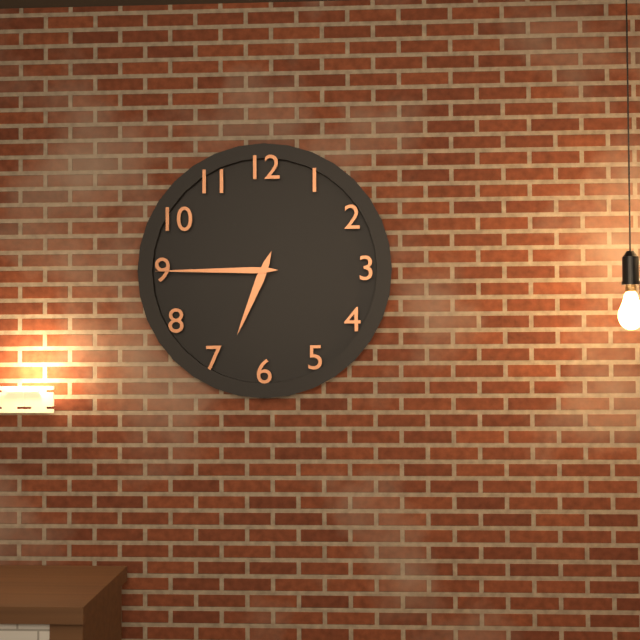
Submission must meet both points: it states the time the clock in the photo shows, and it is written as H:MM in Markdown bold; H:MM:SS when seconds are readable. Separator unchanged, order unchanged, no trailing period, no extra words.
**6:45**
